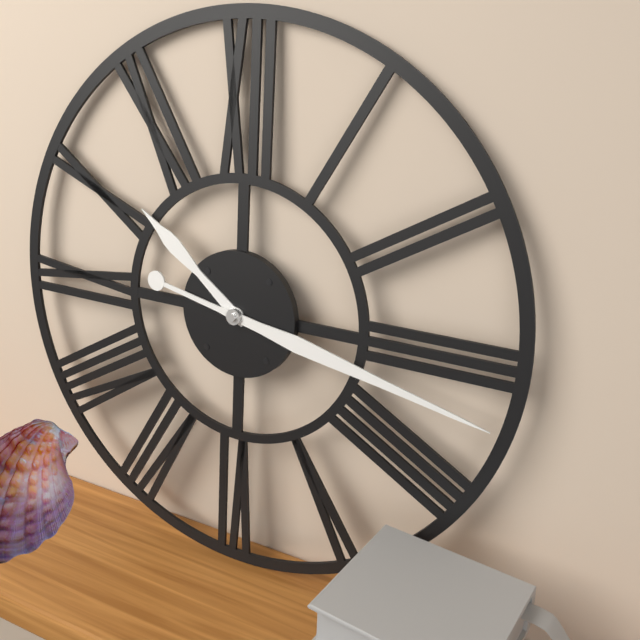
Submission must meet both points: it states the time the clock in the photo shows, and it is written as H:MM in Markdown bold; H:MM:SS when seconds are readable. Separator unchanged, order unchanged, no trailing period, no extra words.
**10:17**
